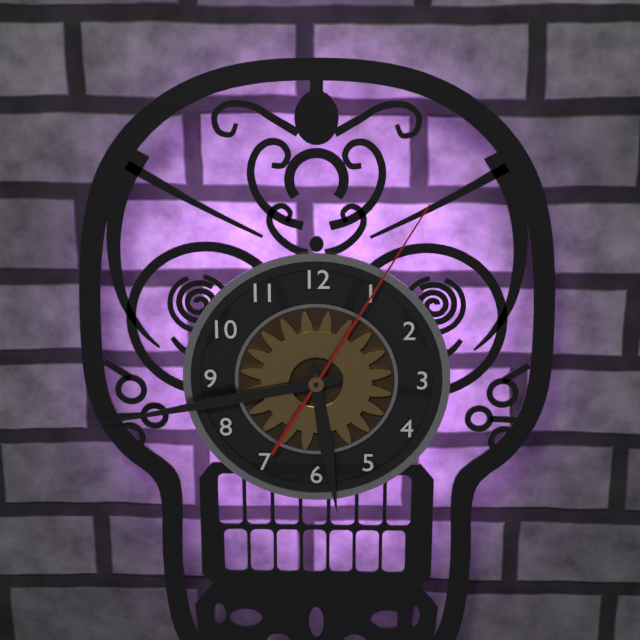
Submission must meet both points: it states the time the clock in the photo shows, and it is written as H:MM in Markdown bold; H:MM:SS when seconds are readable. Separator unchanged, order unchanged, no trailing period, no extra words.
**5:43:05**
